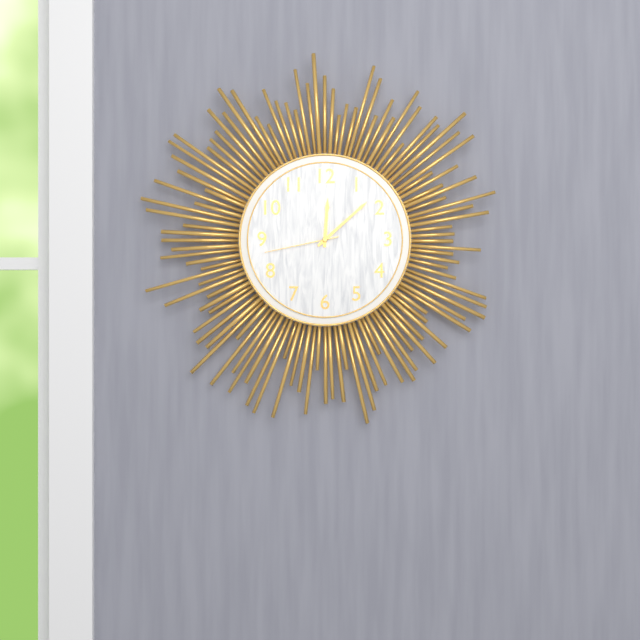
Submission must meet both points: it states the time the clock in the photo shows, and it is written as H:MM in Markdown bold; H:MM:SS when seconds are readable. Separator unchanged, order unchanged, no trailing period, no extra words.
**12:08:43**
